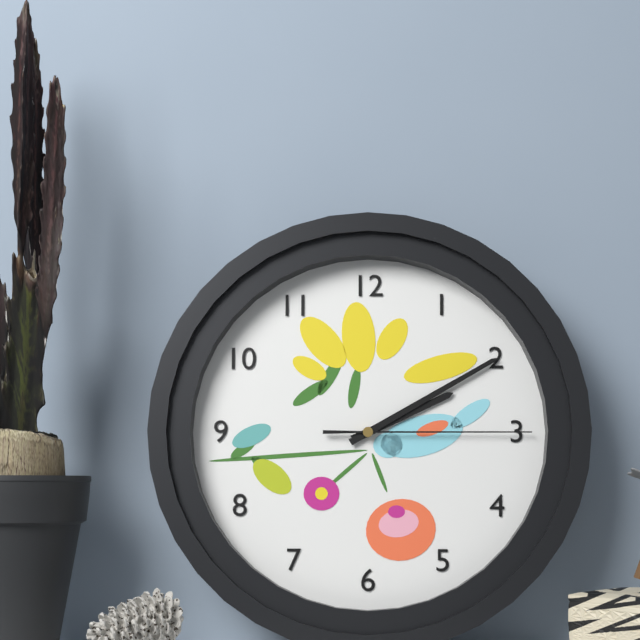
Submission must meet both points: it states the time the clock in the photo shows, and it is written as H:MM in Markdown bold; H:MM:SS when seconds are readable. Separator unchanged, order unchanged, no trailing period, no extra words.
**2:10:15**
